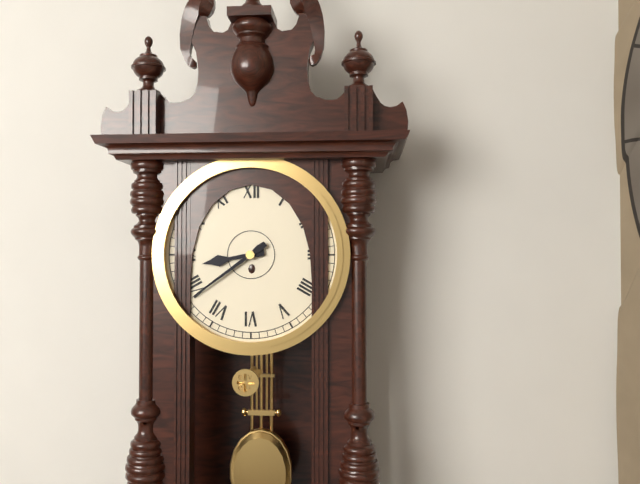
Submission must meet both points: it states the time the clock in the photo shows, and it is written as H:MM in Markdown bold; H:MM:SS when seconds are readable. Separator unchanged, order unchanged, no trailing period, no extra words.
**8:39**
